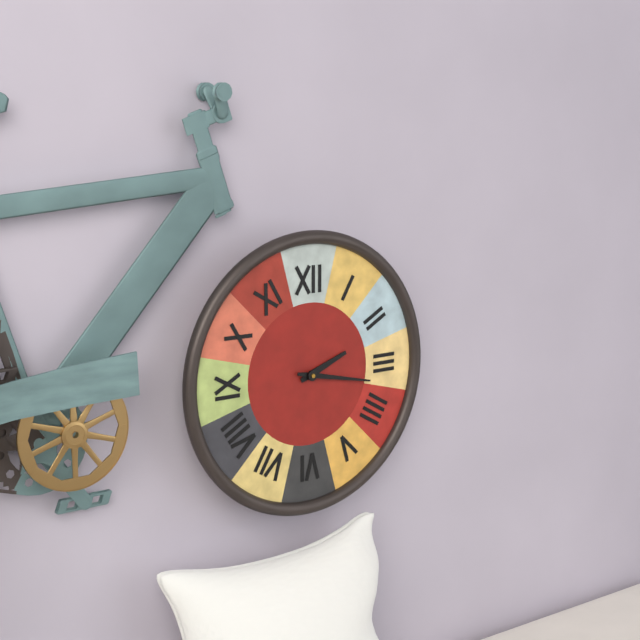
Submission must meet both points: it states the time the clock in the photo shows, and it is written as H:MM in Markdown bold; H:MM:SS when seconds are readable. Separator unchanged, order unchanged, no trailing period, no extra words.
**2:17**
